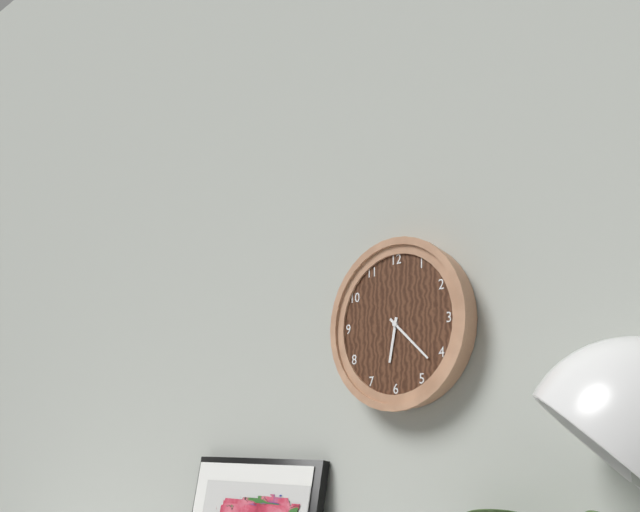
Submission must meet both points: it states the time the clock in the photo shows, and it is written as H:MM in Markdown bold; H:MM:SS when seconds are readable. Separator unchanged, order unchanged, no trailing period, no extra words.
**6:22**
